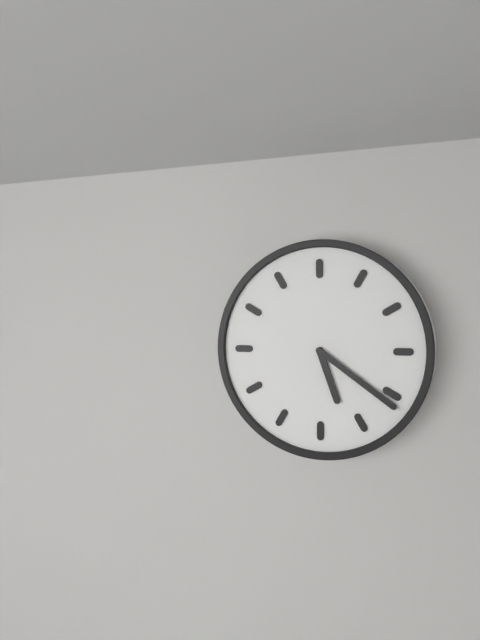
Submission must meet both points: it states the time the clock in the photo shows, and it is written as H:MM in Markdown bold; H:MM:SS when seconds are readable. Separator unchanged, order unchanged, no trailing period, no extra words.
**5:21**
